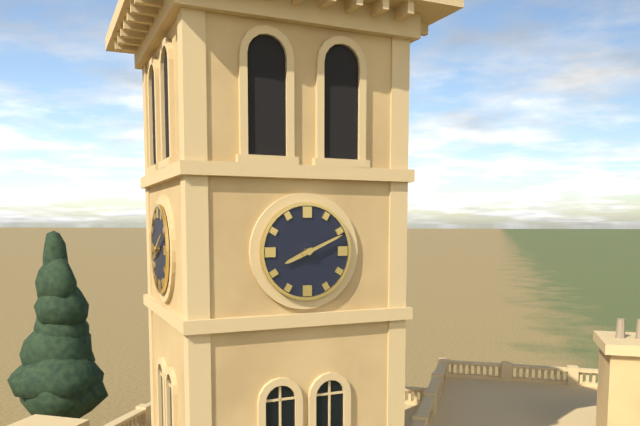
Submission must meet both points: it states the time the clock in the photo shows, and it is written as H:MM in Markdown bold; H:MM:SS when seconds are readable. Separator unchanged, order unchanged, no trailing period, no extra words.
**8:11**
